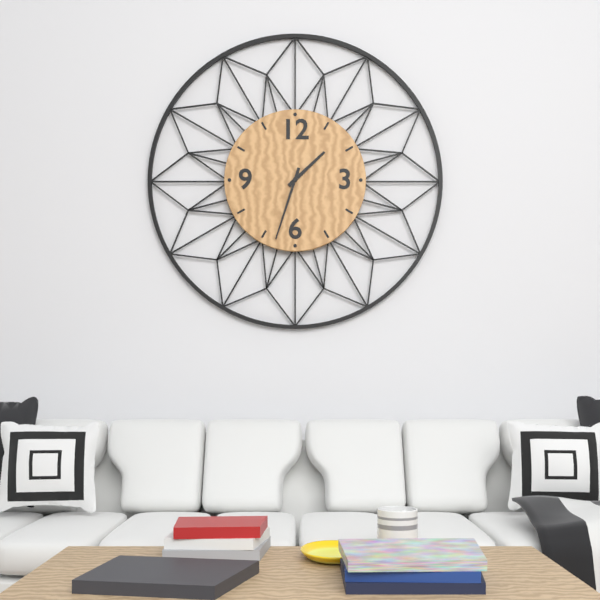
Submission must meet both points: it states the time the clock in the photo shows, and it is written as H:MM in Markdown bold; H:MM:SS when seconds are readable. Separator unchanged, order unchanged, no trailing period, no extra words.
**1:33**
